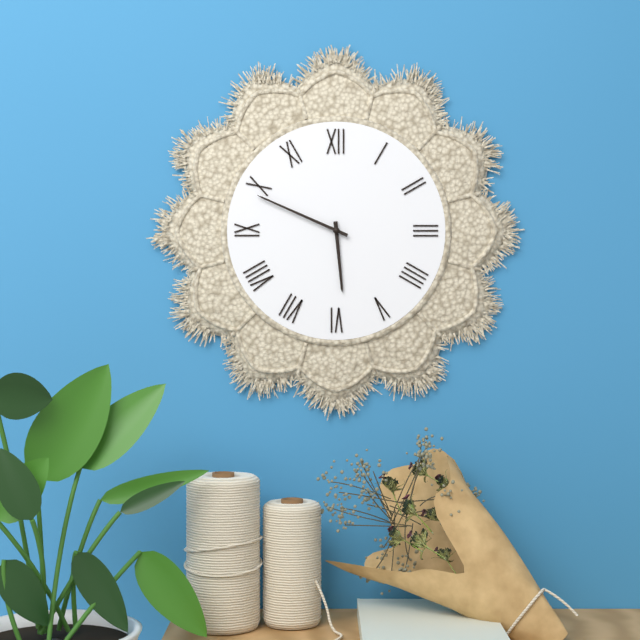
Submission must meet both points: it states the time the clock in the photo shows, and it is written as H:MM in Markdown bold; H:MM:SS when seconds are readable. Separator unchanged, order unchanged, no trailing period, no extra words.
**5:49**
